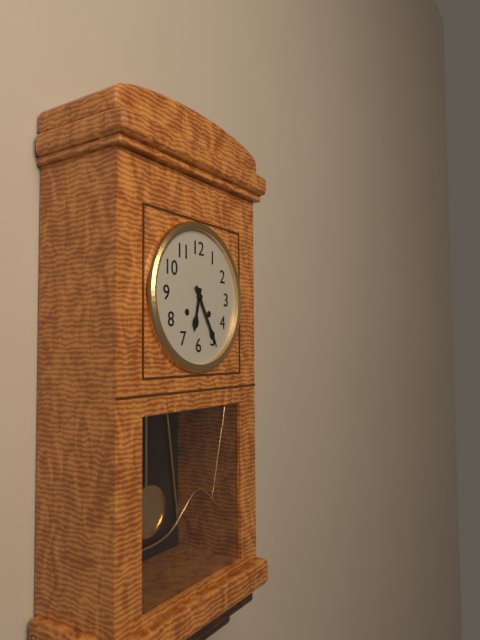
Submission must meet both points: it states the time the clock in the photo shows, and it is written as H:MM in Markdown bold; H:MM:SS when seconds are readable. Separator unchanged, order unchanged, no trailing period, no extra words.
**6:25**
